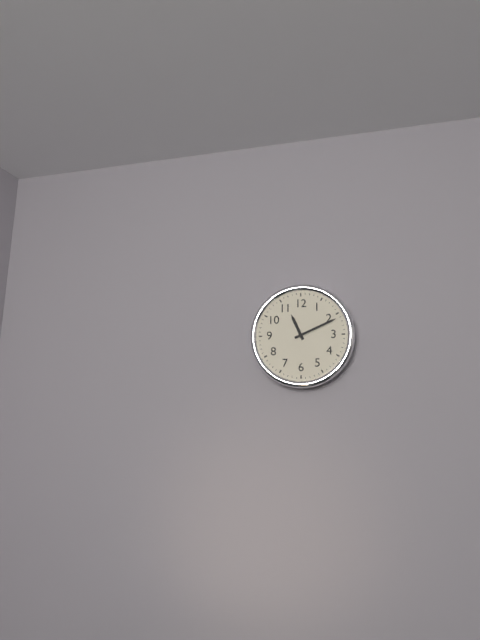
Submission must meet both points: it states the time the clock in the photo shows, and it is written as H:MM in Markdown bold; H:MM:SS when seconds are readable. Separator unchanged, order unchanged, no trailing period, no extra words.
**11:11**
